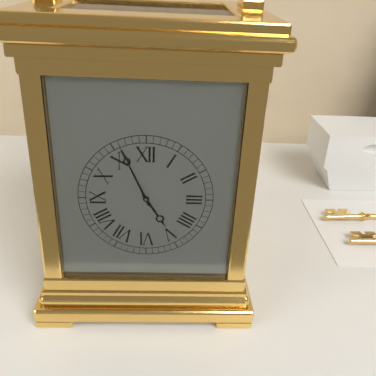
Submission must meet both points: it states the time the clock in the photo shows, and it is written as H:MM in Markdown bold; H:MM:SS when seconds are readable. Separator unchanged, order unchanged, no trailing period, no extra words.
**4:56**
